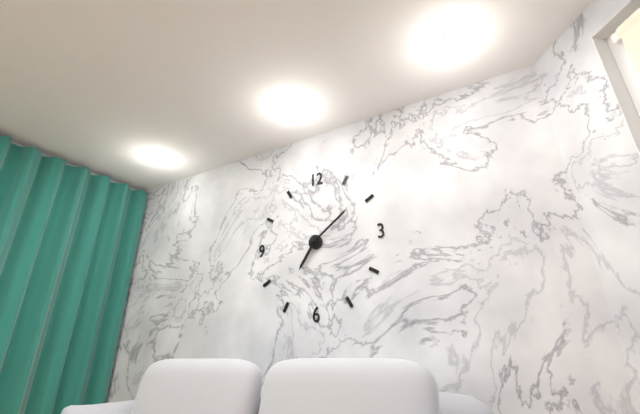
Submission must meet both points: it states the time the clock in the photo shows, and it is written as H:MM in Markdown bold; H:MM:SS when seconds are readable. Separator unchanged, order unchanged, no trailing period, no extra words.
**7:09**
